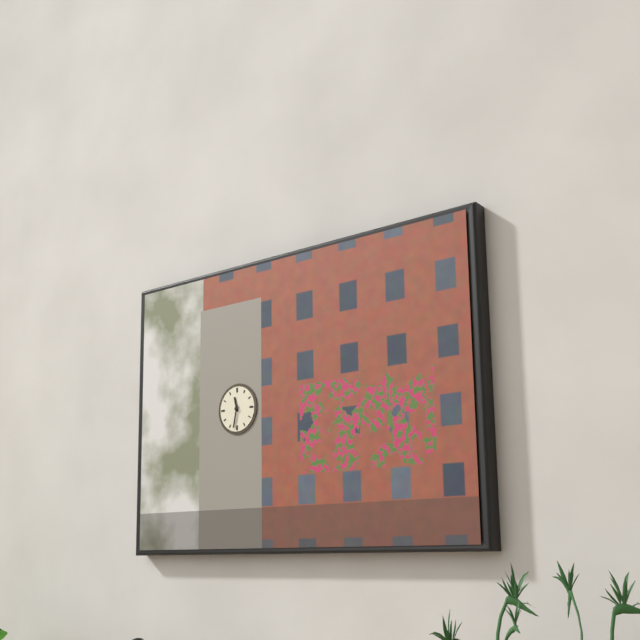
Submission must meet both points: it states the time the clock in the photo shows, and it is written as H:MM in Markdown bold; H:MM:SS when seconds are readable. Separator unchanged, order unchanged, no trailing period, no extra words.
**11:32**
